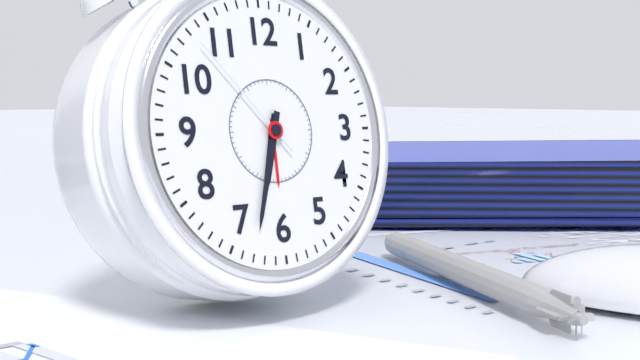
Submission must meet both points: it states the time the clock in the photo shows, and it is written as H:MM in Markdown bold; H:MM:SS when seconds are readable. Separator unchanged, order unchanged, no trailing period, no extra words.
**6:33:53**
